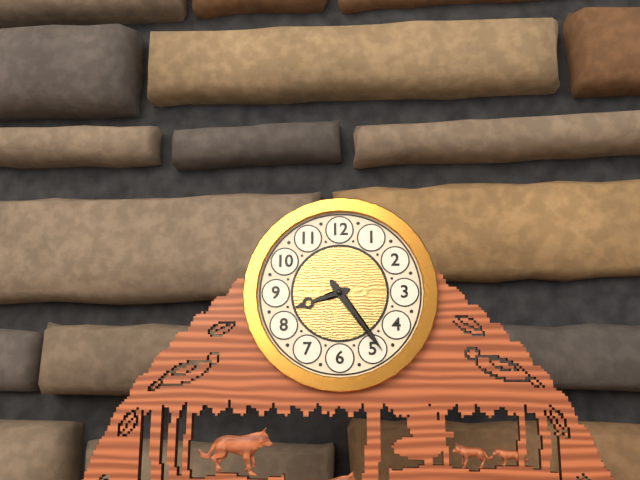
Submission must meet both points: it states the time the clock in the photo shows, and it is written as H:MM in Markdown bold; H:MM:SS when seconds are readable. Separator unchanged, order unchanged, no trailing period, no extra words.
**8:24**
